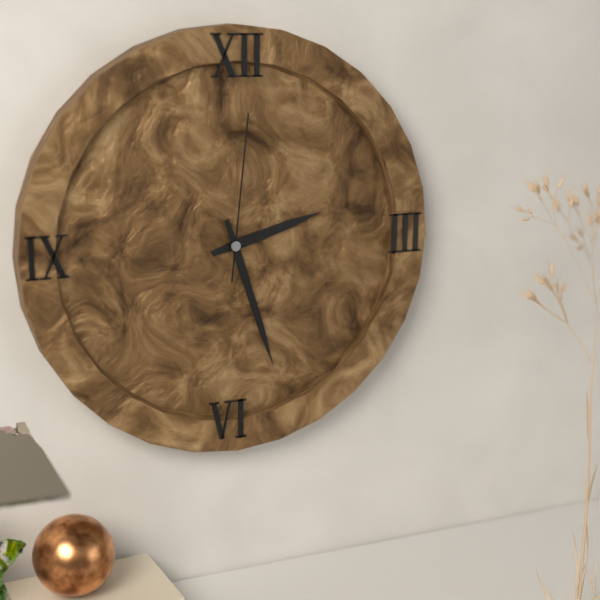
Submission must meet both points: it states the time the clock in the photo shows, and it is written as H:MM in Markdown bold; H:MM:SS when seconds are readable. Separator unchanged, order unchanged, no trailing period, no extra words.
**2:27:01**
